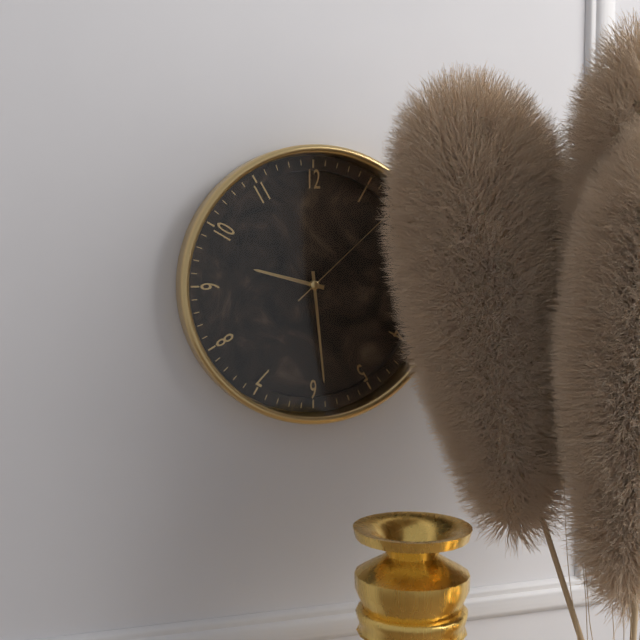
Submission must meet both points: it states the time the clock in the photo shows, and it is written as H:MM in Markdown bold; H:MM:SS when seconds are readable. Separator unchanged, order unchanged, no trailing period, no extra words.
**9:29:08**
